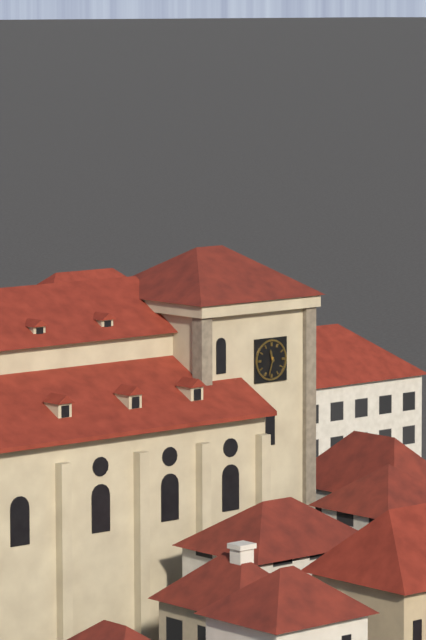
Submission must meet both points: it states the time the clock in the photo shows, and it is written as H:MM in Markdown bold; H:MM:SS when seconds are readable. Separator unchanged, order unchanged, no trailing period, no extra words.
**11:33**
